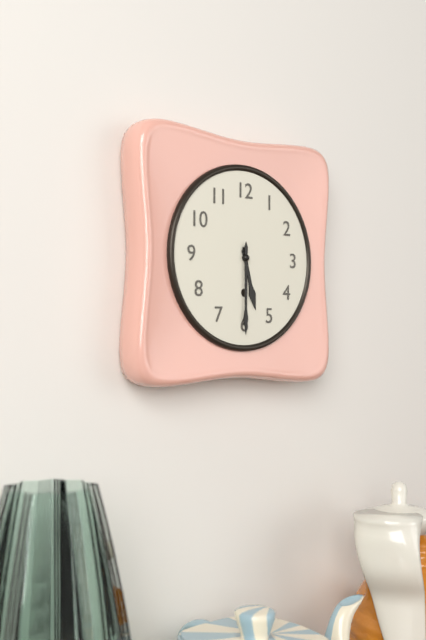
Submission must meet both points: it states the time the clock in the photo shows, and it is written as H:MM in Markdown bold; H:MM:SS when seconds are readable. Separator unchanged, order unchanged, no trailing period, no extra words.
**5:30**
